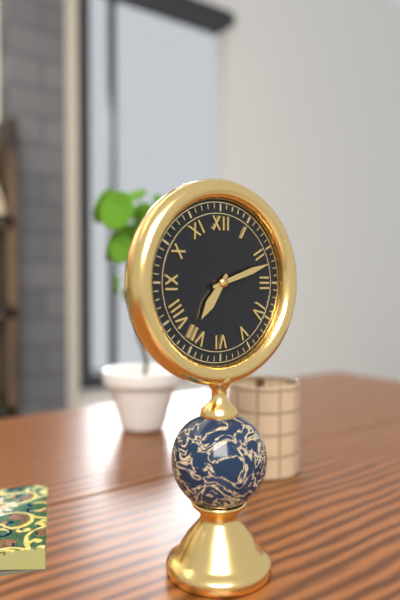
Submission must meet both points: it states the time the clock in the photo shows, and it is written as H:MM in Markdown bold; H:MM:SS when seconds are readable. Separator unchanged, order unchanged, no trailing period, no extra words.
**7:12**
